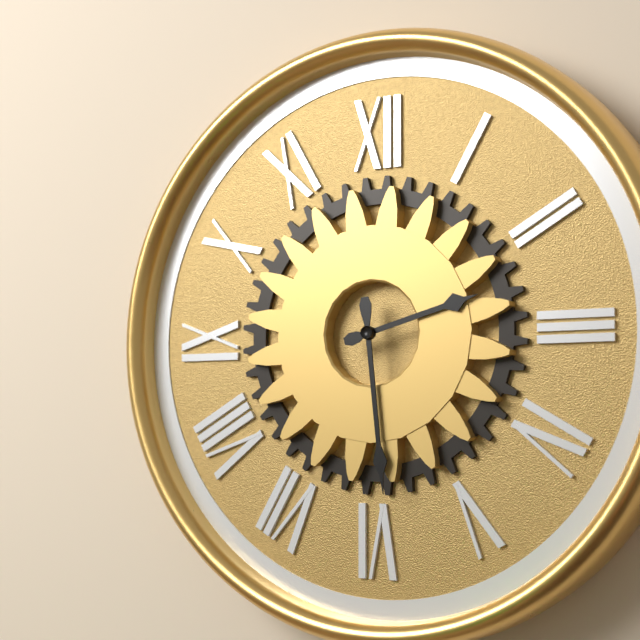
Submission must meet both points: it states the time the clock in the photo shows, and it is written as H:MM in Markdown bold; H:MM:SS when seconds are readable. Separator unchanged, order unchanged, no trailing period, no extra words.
**2:29**
